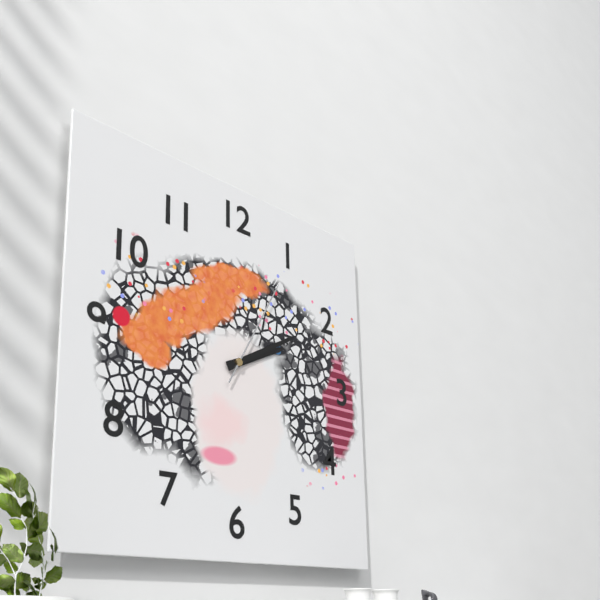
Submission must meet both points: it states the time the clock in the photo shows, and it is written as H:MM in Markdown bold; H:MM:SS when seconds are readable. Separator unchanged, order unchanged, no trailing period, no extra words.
**2:10:05**
